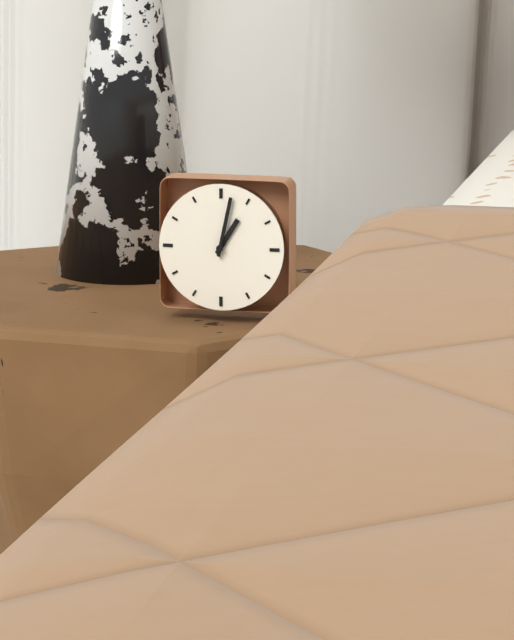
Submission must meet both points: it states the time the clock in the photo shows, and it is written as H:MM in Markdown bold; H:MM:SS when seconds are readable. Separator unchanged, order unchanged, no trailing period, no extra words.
**1:02**
